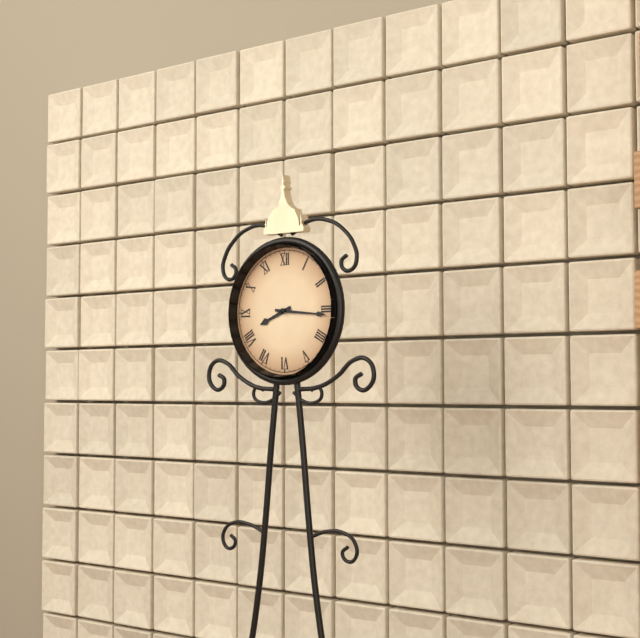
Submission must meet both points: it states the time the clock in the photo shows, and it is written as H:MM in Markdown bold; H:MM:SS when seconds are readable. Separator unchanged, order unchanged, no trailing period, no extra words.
**8:16**
